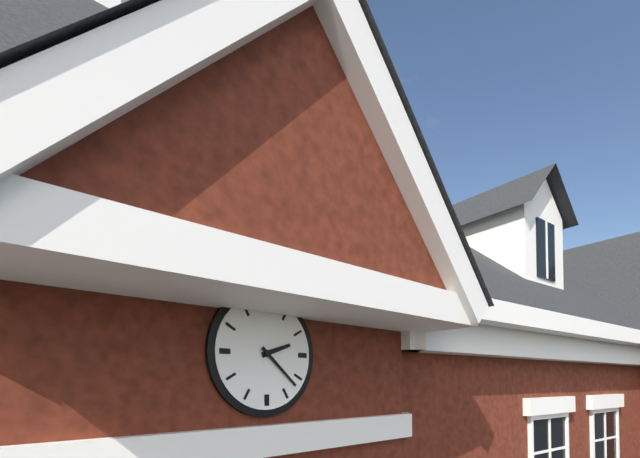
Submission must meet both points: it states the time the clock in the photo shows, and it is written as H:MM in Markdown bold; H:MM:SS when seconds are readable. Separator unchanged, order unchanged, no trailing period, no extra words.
**2:22**
